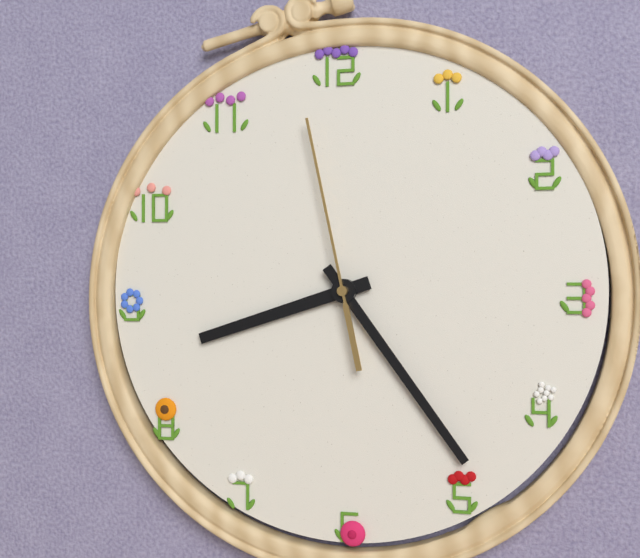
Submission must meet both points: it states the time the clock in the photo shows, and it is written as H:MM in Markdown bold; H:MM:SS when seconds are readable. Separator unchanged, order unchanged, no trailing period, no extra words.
**8:24:58**
